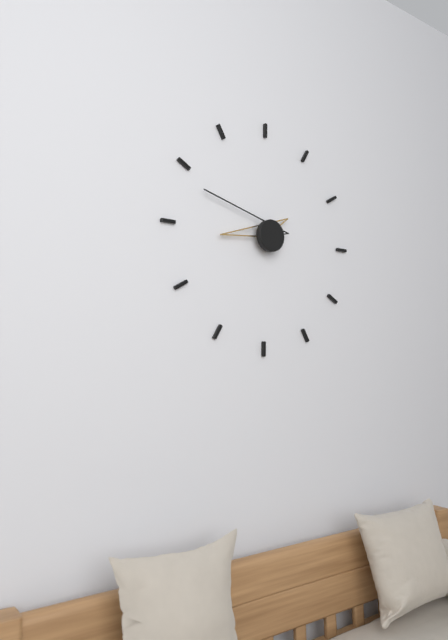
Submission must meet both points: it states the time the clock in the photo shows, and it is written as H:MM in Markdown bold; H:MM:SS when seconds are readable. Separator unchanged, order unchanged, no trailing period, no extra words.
**8:49**
